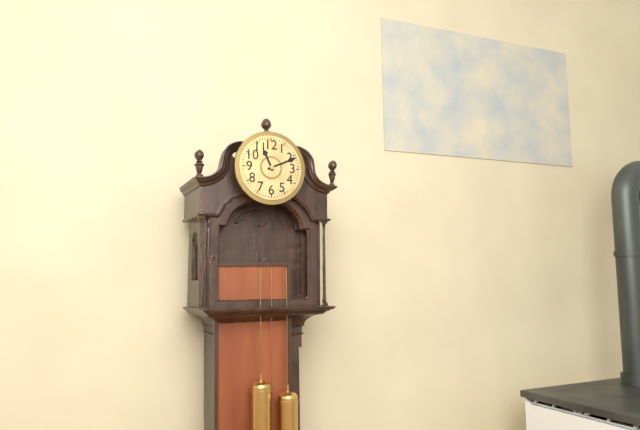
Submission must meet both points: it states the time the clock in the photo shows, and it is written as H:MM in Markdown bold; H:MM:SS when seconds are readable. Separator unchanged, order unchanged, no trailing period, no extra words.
**11:11**
